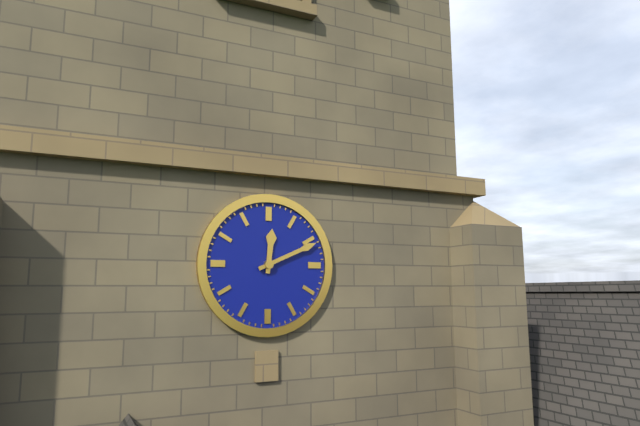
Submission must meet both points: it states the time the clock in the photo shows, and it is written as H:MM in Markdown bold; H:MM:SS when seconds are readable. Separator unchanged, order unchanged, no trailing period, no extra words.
**12:11**
